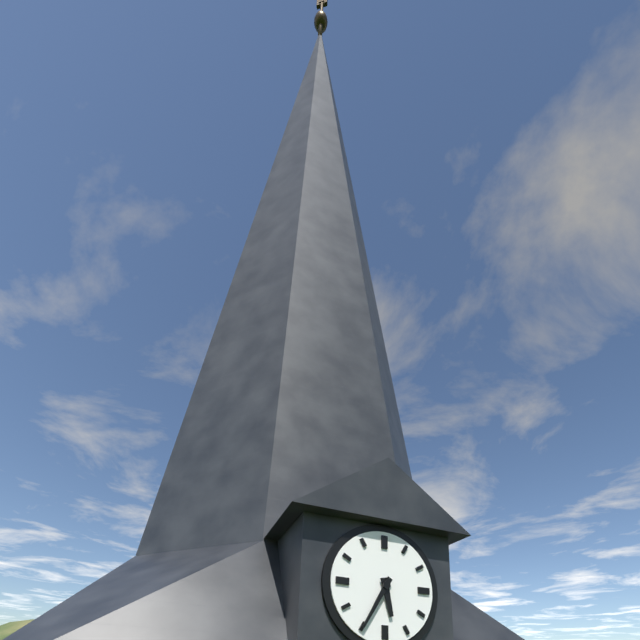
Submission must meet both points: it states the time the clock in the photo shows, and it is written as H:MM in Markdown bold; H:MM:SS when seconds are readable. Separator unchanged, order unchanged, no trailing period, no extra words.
**5:35**
